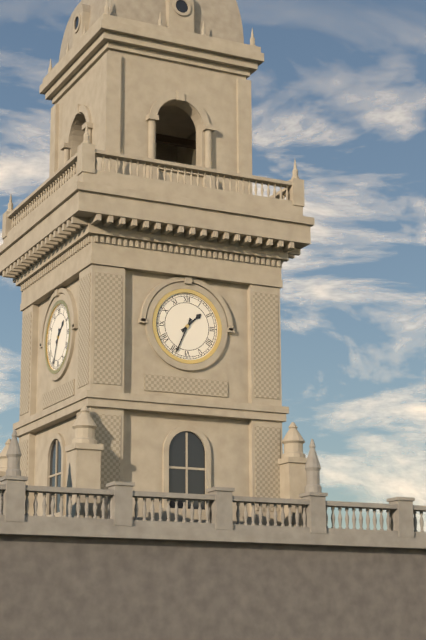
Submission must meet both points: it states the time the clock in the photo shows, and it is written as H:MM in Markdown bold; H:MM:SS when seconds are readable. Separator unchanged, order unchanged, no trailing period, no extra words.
**1:34**
